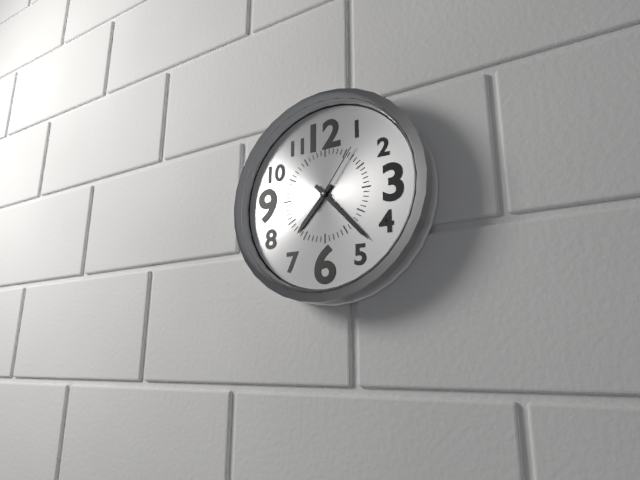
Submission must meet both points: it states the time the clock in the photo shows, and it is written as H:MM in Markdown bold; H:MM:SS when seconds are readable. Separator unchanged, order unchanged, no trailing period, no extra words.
**7:23:06**
